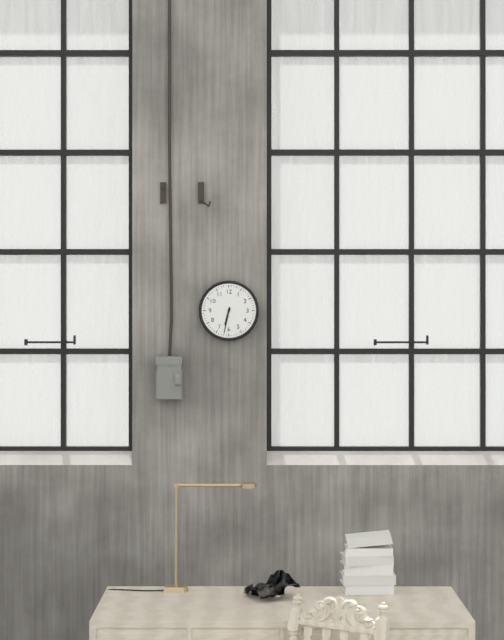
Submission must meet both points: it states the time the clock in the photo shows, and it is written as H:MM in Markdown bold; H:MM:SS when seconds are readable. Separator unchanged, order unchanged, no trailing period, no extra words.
**6:32**
